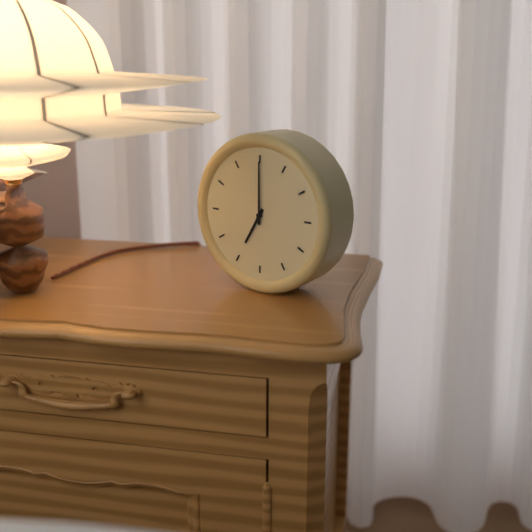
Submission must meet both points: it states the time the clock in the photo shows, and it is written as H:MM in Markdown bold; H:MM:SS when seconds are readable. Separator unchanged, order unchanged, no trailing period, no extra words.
**7:00**
